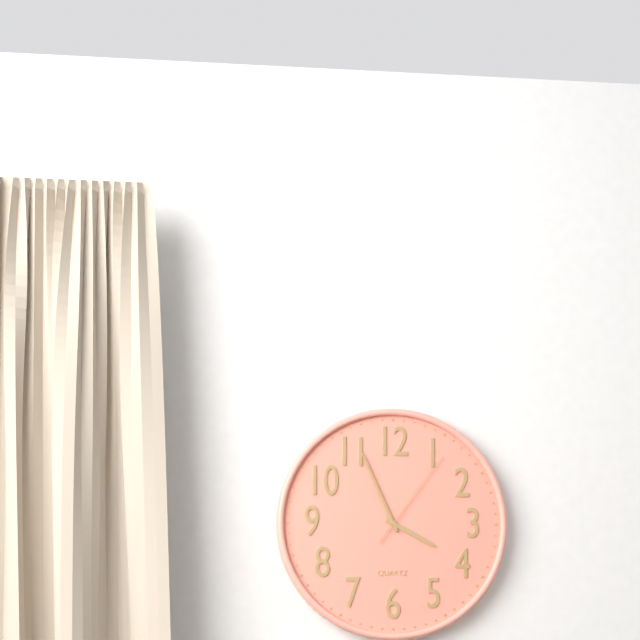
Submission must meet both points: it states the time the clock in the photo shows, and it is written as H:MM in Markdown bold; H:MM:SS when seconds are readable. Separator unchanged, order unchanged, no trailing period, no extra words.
**3:56:06**
